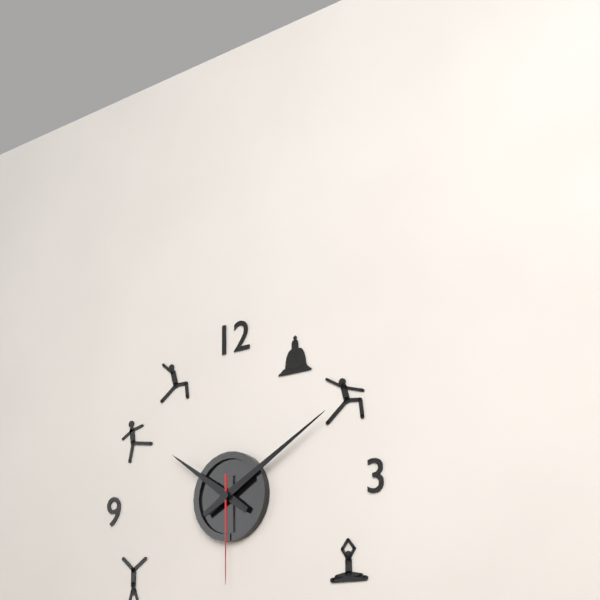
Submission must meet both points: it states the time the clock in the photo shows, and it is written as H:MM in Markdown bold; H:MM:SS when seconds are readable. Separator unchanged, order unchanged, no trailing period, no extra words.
**10:10:30**
